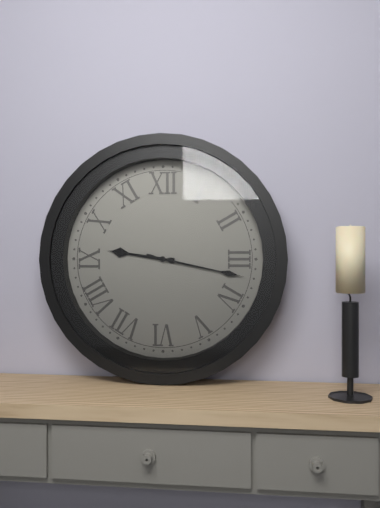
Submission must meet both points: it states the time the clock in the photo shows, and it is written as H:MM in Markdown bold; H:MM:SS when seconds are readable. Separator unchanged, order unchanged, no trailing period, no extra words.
**9:17**
